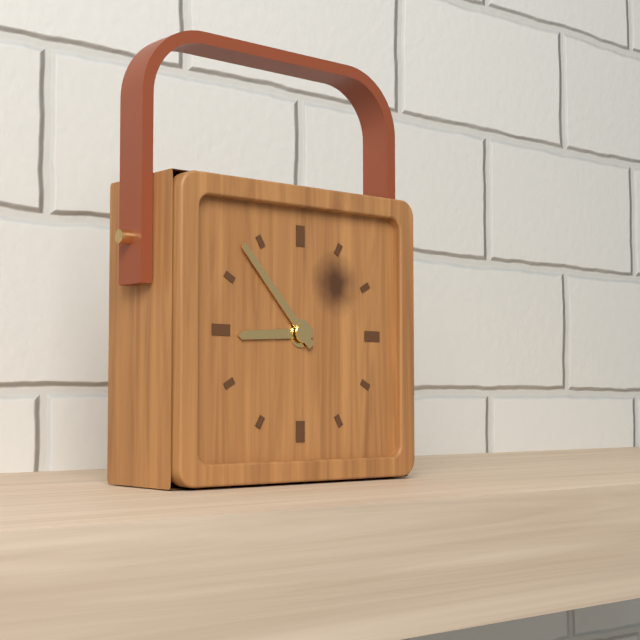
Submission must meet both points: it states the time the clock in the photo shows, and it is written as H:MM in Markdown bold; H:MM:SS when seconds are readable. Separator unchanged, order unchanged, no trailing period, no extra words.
**8:53**
